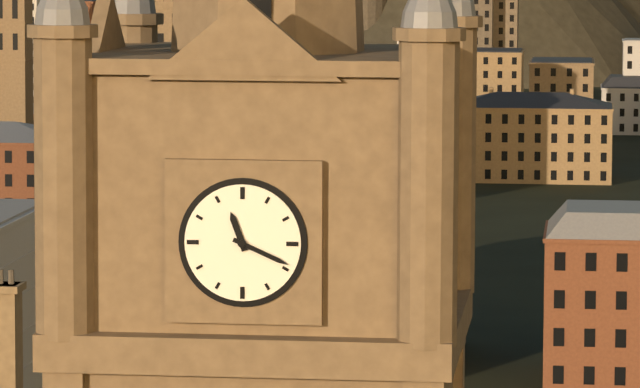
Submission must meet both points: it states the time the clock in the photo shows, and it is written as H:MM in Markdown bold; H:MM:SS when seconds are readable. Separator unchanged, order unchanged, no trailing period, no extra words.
**11:19**
